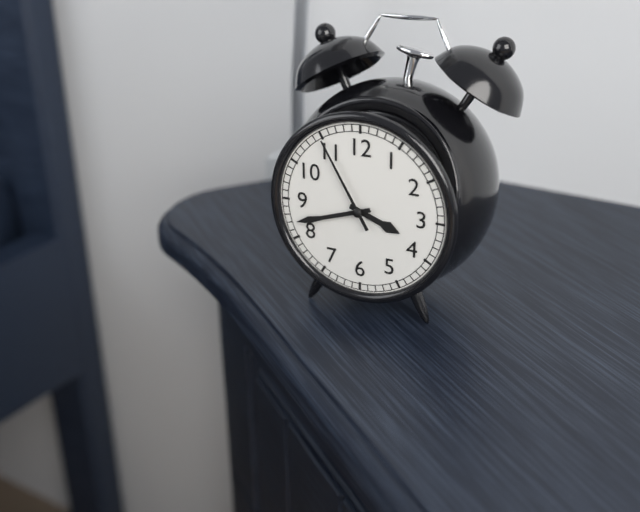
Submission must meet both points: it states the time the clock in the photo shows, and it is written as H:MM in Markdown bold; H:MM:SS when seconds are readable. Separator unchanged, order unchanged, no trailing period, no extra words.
**3:42:55**
